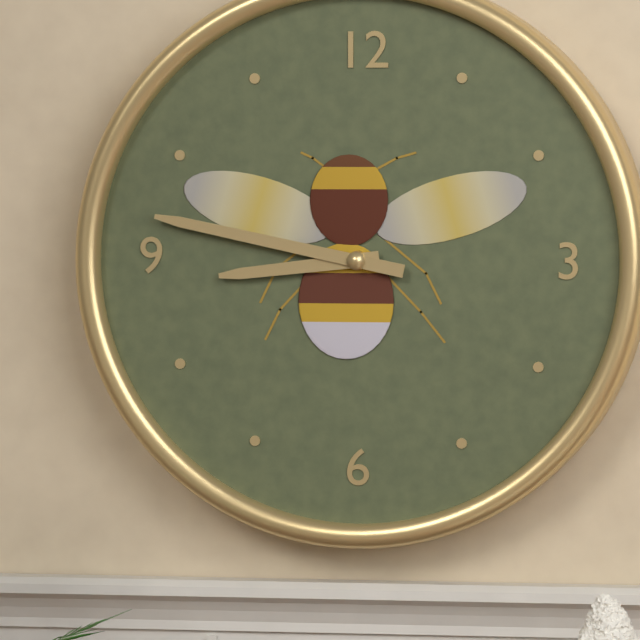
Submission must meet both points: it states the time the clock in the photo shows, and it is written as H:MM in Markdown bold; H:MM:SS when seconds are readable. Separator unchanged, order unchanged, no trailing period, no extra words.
**8:47**
